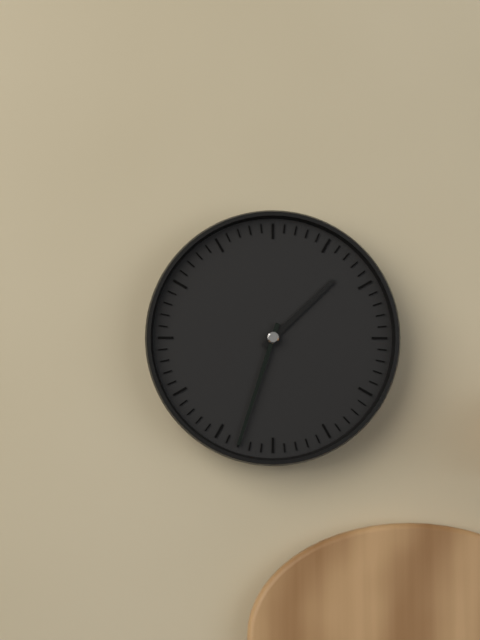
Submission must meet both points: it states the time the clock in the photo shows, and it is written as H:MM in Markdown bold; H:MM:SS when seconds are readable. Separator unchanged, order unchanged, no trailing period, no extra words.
**1:33**
